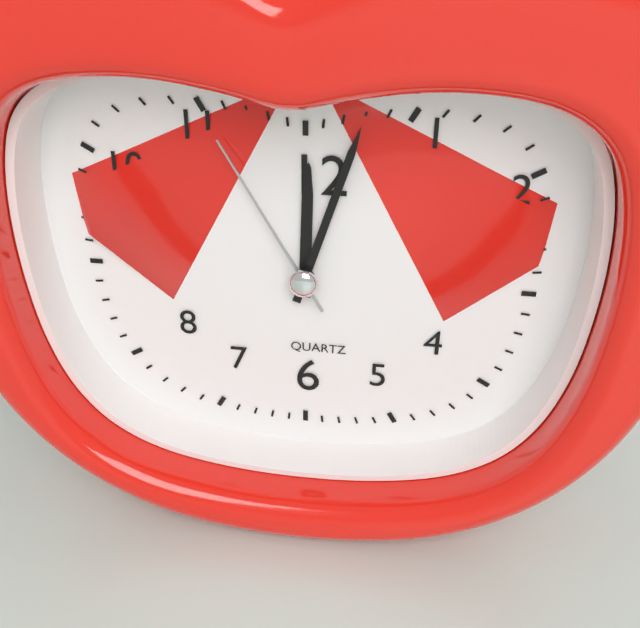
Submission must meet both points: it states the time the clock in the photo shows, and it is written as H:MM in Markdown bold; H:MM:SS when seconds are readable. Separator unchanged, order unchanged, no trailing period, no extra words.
**12:03:55**
